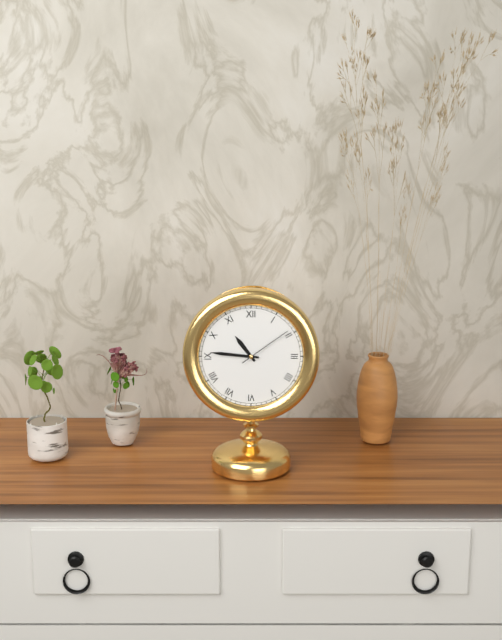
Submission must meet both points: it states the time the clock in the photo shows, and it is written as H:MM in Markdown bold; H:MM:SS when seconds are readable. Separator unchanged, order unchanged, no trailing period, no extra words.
**10:46:09**
